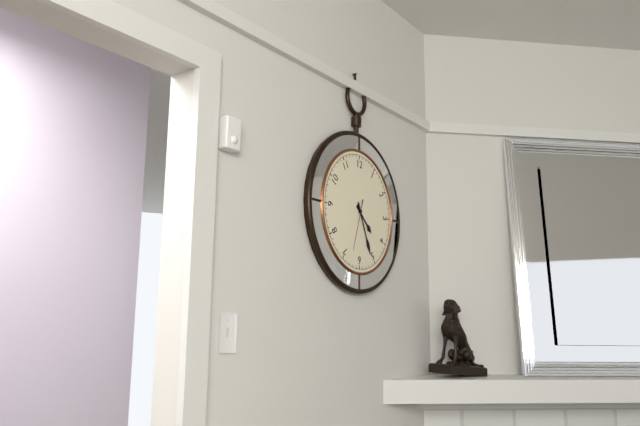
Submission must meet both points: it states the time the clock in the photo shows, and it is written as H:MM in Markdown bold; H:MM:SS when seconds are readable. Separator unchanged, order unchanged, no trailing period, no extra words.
**4:26**
